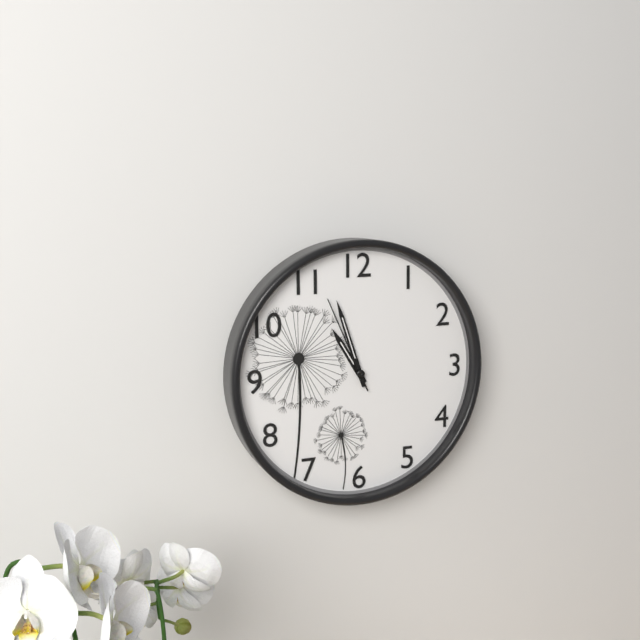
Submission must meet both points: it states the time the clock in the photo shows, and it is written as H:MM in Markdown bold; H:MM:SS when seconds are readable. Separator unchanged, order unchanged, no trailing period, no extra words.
**10:57:56**
